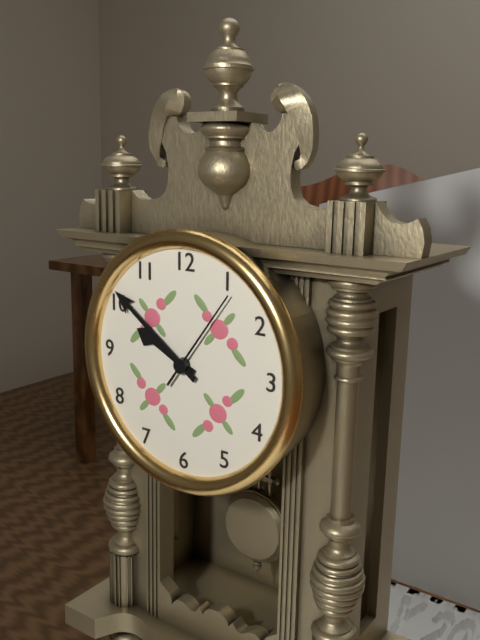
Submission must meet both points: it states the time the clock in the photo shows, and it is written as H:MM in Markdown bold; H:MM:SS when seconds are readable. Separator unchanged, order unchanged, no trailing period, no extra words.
**9:51:06**
